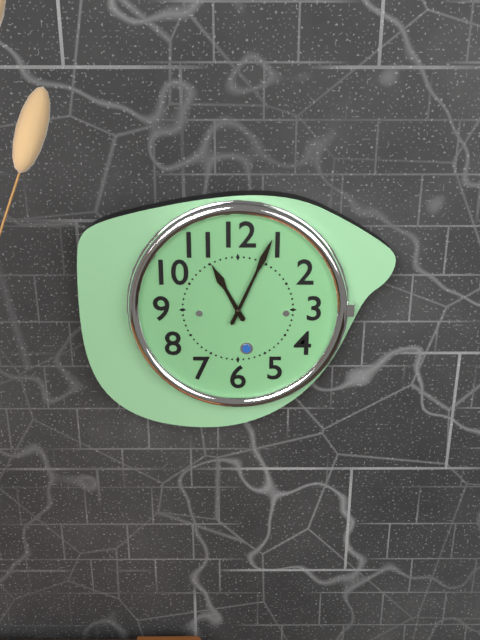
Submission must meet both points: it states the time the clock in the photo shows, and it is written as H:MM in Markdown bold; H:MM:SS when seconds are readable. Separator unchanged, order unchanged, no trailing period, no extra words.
**11:04**
